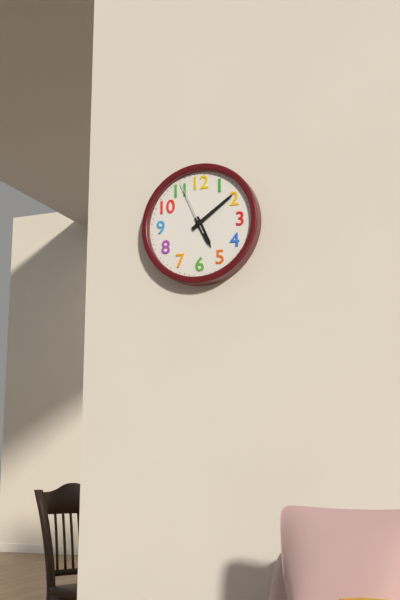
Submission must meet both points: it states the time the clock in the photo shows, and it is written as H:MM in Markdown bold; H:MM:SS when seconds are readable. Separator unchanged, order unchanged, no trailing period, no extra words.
**5:09:56**
